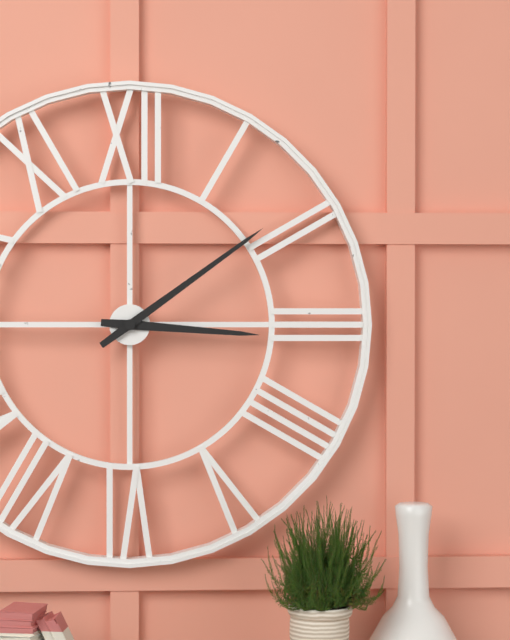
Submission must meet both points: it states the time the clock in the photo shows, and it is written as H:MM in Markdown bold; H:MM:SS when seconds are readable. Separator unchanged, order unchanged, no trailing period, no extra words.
**3:09**
